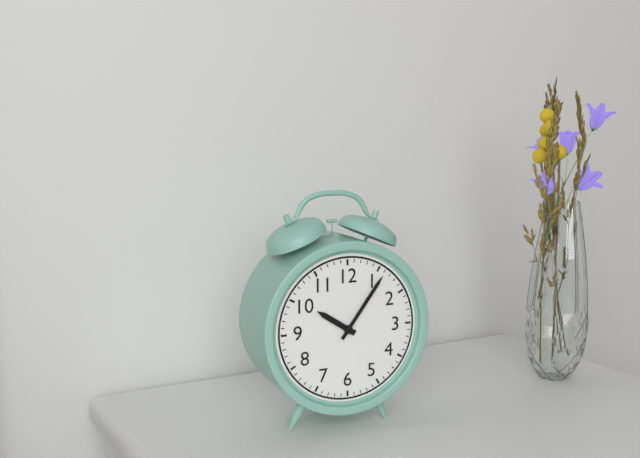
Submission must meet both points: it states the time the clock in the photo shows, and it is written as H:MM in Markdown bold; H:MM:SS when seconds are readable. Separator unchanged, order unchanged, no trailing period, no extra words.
**10:06**
